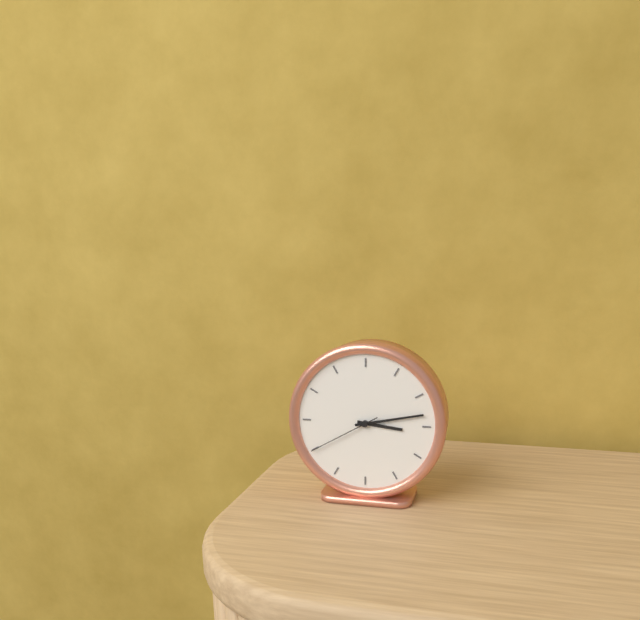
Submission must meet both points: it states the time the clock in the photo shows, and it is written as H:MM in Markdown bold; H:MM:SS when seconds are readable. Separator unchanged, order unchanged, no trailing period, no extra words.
**3:13:40**
